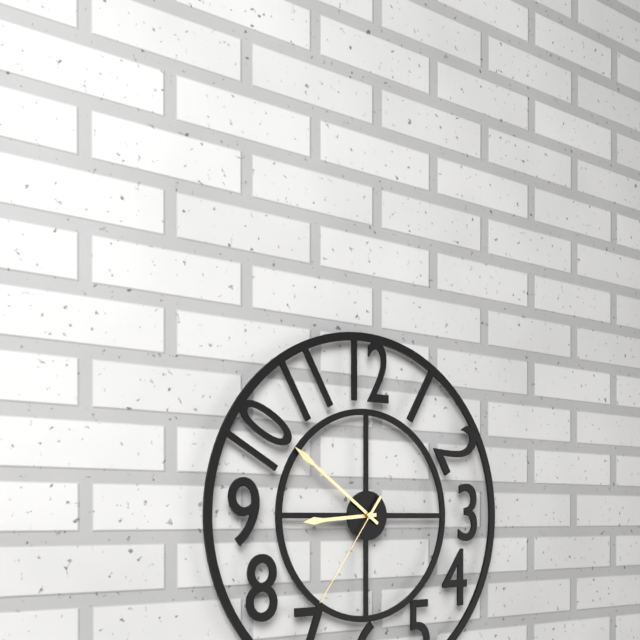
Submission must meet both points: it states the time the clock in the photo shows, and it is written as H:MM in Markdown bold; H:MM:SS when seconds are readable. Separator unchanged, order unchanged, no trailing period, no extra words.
**8:51:36**
